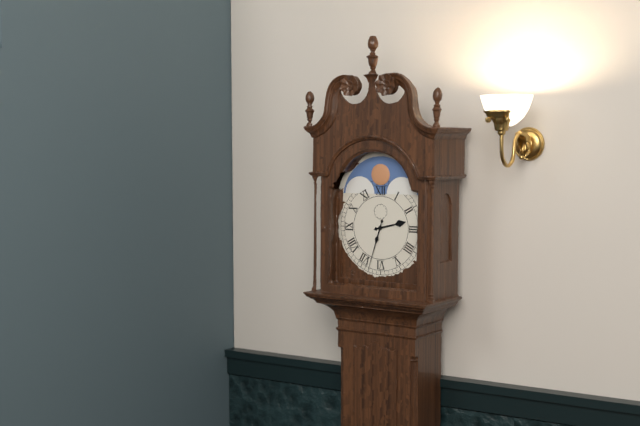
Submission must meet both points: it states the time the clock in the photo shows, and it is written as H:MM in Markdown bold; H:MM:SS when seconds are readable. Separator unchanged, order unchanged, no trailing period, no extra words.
**2:33**
